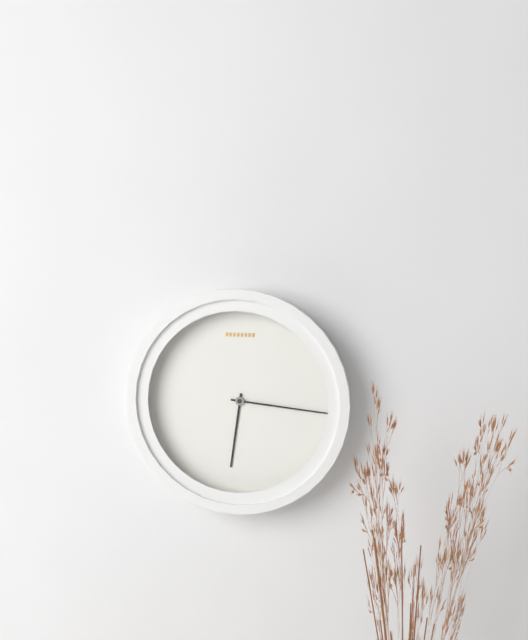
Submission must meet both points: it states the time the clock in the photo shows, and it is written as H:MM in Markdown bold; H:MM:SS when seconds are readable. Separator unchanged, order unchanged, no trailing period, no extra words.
**6:16**
